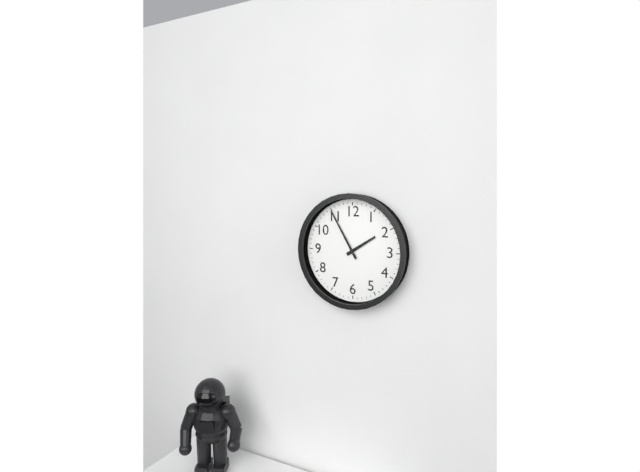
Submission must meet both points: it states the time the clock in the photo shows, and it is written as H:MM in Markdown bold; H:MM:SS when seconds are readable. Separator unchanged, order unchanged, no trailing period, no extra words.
**1:55**
